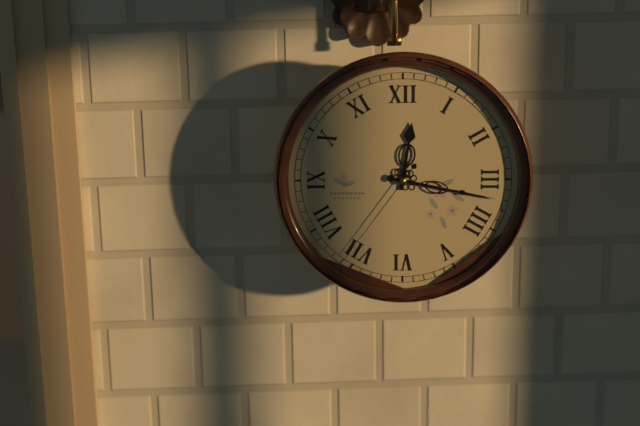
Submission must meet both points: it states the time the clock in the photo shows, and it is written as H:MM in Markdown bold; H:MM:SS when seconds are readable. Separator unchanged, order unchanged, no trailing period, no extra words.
**12:17:36**
